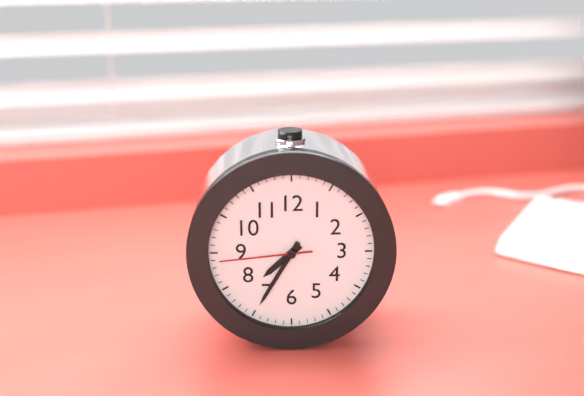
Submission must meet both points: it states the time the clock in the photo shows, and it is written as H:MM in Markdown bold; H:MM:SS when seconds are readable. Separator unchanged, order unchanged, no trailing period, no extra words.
**7:35:44**
